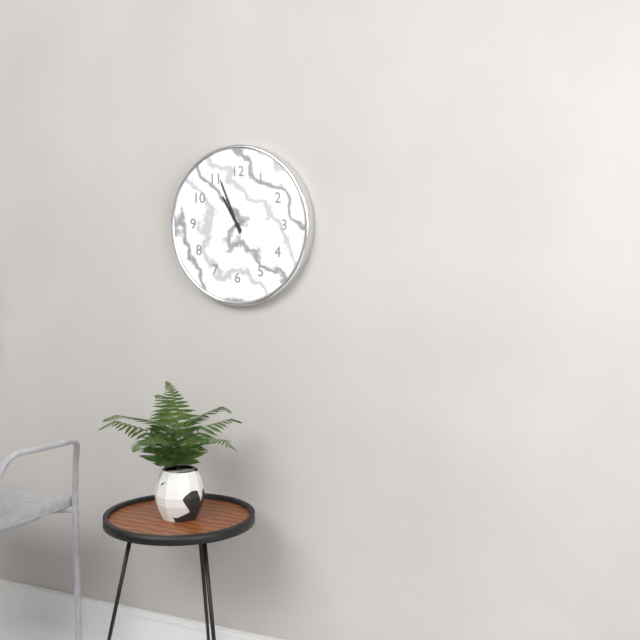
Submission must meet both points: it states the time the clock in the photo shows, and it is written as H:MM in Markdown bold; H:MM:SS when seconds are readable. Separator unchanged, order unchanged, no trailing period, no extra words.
**10:56**
